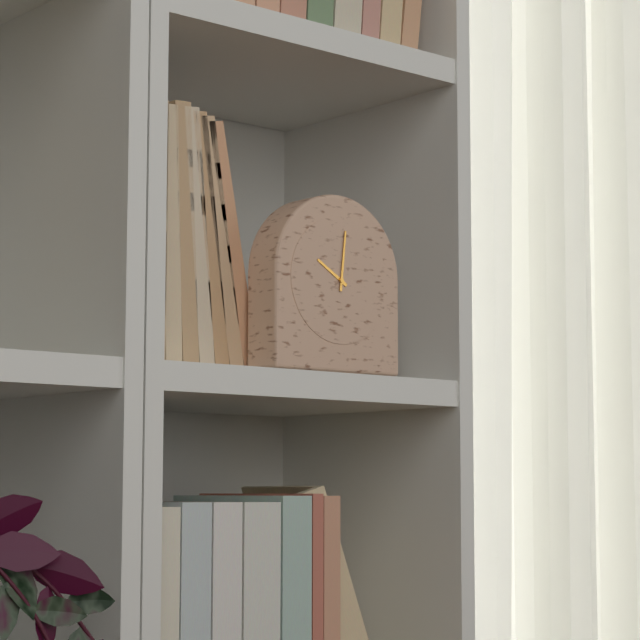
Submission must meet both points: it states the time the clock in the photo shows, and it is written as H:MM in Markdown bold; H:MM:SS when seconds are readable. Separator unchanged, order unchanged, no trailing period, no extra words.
**10:01**
